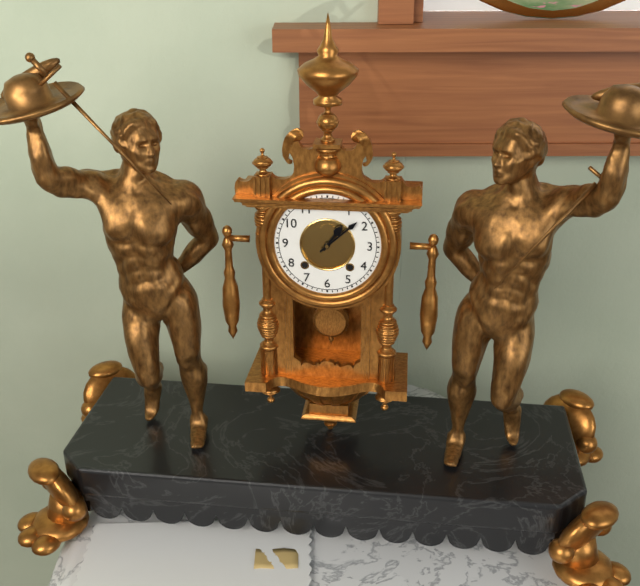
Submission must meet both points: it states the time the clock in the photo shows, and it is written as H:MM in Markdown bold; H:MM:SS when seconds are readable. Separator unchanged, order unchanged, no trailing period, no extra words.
**1:08**
